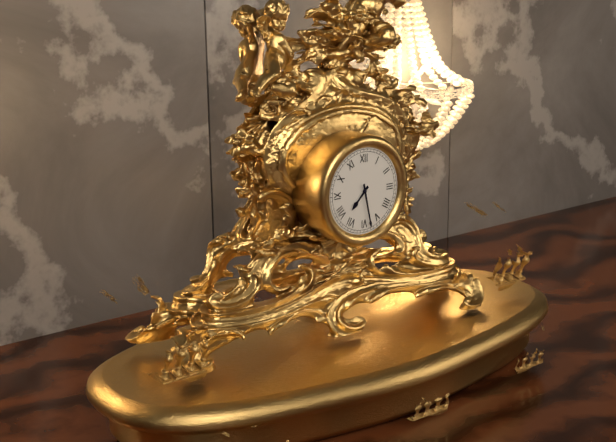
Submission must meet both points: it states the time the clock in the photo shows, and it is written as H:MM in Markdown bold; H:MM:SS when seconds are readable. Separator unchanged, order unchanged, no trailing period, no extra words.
**7:28**
